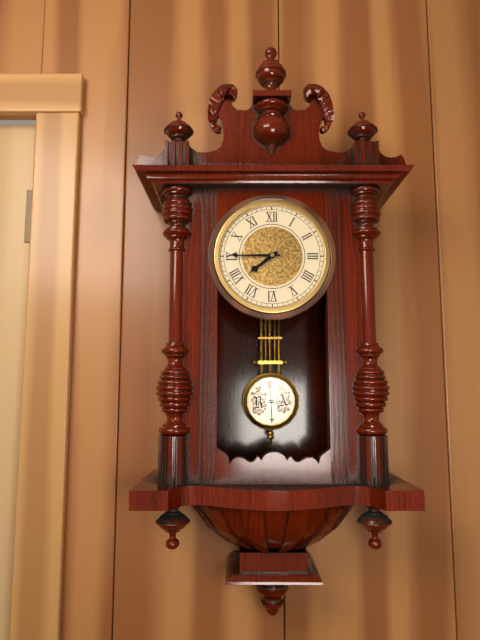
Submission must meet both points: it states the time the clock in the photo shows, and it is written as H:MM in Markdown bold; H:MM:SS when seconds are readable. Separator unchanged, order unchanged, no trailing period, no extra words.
**7:45**
